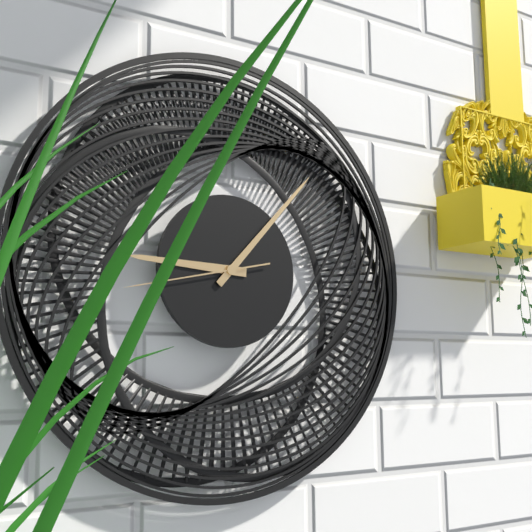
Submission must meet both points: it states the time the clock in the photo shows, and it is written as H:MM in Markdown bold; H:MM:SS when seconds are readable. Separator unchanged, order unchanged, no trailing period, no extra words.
**9:07:43**
